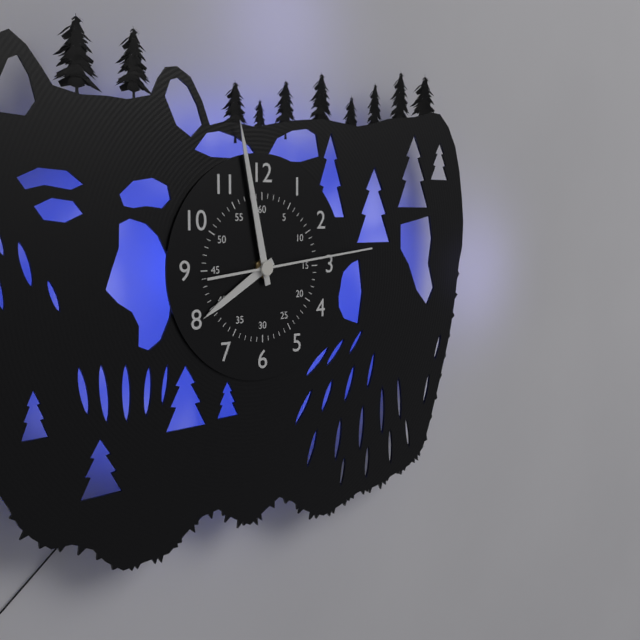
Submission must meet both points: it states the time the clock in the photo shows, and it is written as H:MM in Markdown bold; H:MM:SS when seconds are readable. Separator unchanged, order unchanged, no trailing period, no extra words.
**7:58:14**
